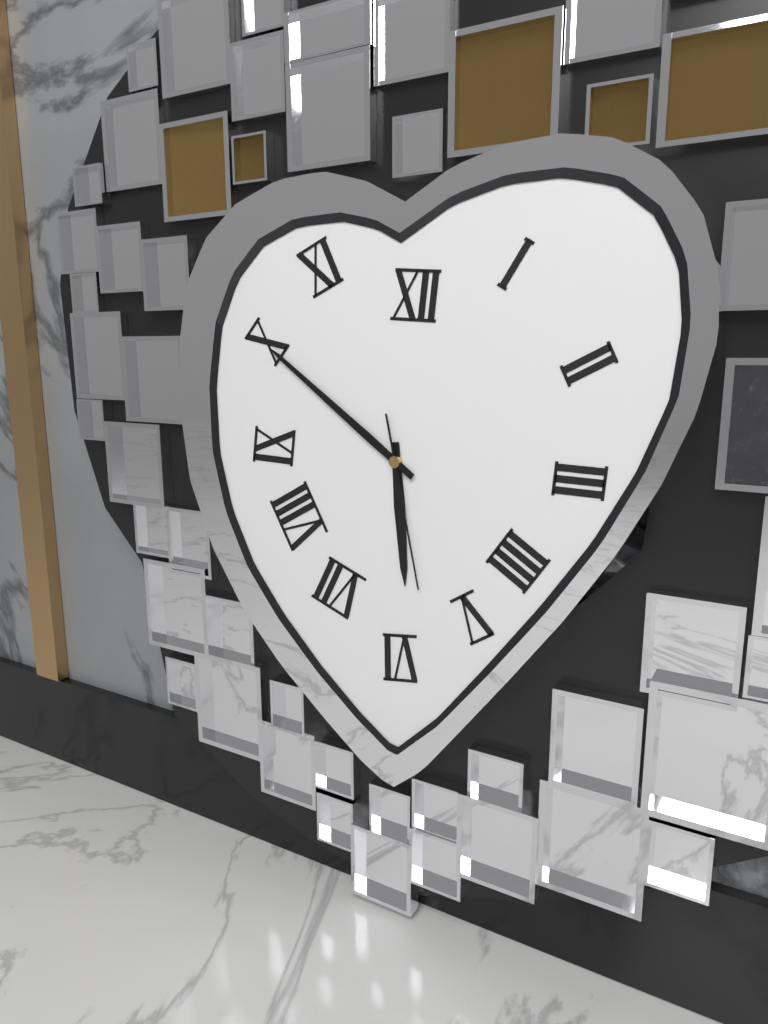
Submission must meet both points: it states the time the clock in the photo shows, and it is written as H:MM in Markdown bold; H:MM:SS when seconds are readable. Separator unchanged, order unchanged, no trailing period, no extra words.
**5:51:28**
